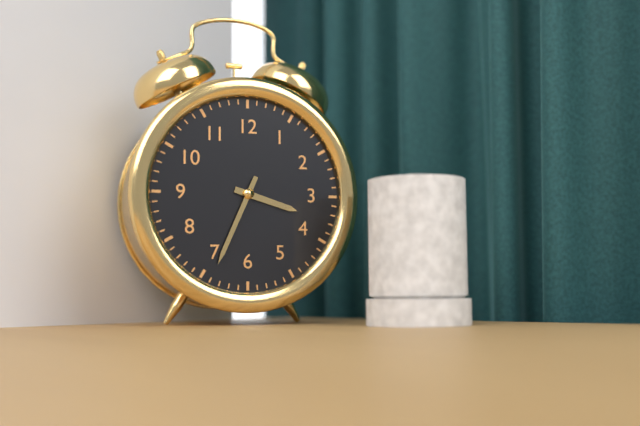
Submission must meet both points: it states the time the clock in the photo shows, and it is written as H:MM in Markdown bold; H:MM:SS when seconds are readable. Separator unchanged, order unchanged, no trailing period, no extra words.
**3:34**
